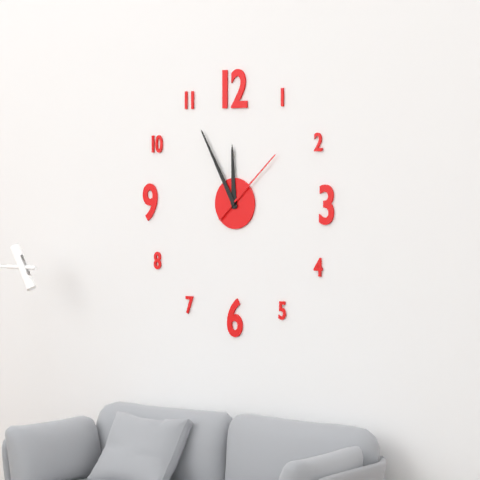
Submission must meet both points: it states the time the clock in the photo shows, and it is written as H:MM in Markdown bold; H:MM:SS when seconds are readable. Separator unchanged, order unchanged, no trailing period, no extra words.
**11:55:08**
